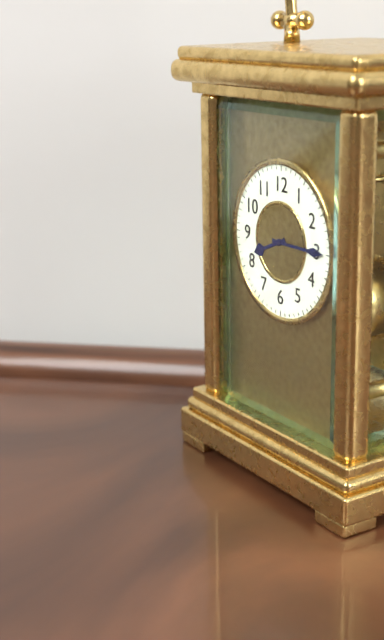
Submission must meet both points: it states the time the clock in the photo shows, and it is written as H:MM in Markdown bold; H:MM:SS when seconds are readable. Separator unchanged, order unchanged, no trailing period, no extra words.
**8:15**
